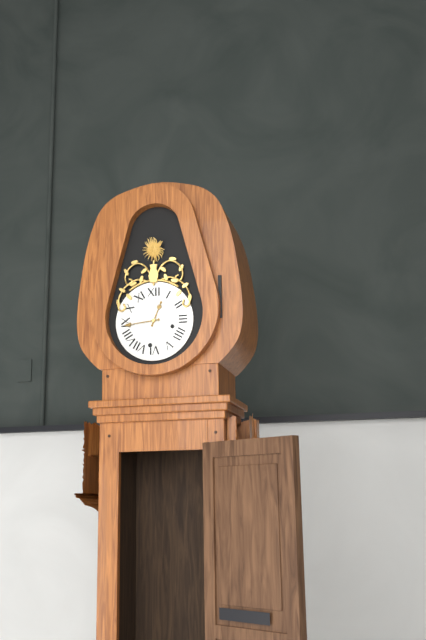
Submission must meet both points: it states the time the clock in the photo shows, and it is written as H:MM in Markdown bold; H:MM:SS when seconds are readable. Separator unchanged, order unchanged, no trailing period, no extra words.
**12:44**
